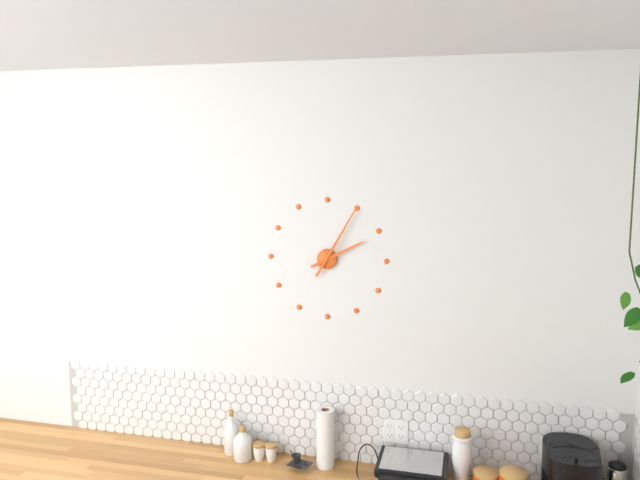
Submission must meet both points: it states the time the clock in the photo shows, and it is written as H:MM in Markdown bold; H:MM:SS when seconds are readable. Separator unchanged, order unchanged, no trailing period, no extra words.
**2:05**
